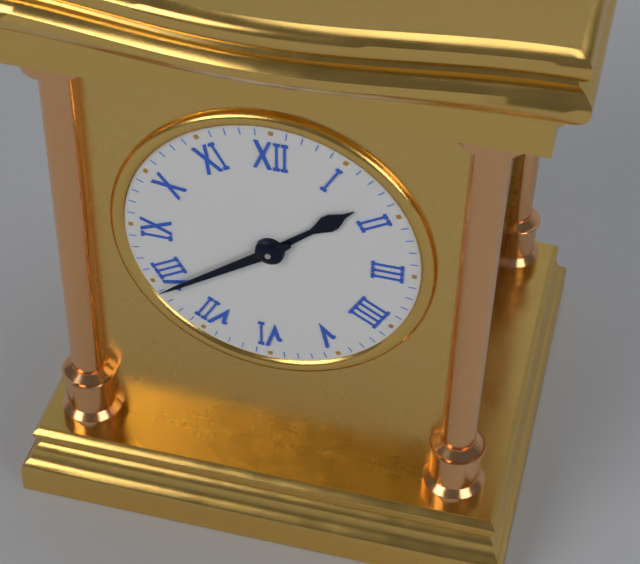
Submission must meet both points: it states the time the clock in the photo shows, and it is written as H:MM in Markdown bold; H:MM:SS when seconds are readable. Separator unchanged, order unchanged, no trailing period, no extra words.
**1:39**
